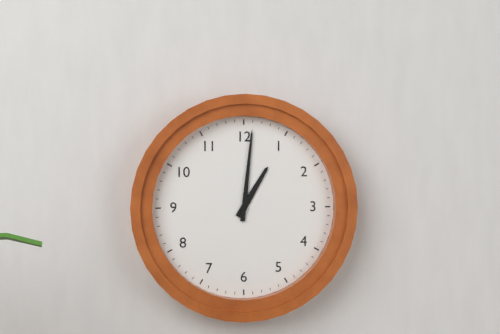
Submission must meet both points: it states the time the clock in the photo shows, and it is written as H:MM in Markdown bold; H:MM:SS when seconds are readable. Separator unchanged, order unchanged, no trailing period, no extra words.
**1:01**
